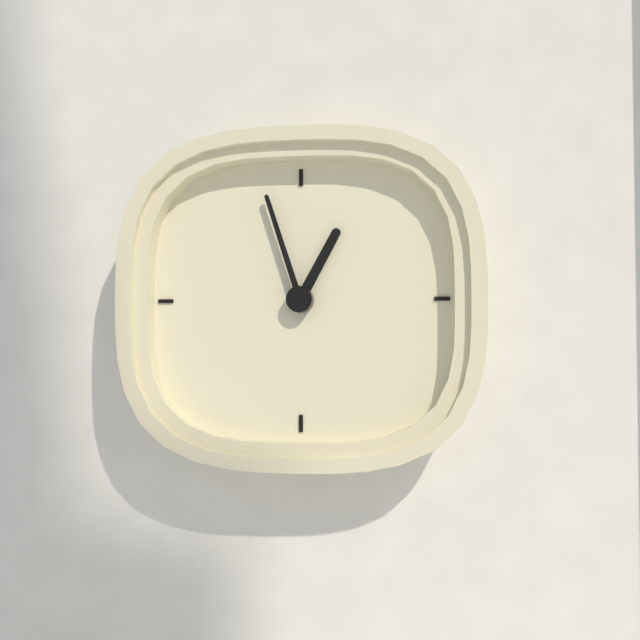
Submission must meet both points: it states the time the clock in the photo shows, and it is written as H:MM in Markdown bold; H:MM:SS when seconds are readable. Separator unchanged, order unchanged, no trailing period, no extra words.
**12:57**
